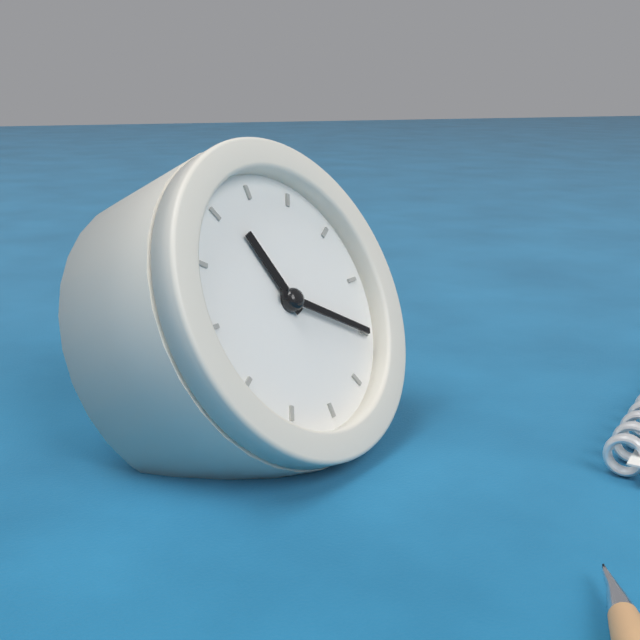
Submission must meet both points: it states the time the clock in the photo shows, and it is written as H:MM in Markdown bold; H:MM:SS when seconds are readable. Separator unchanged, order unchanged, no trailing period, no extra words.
**11:20**
